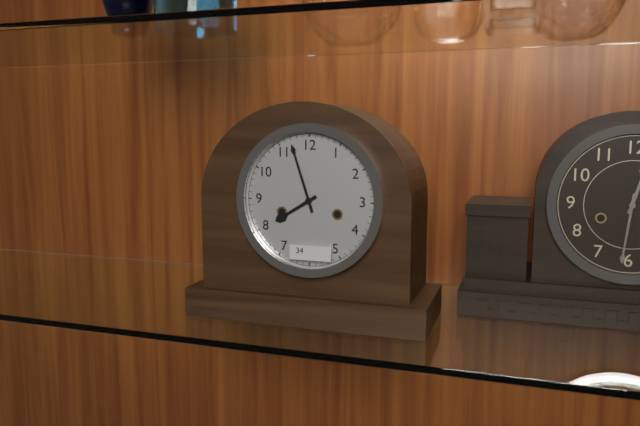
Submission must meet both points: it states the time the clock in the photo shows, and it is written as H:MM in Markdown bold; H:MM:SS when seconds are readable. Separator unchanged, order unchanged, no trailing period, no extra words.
**7:57**
